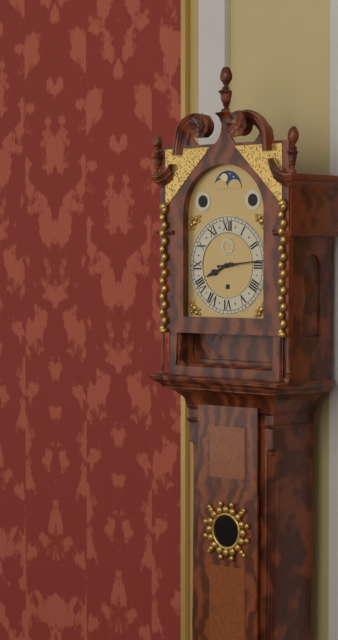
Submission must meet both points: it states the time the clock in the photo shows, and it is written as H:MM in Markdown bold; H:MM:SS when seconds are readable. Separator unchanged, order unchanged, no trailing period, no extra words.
**8:14**
